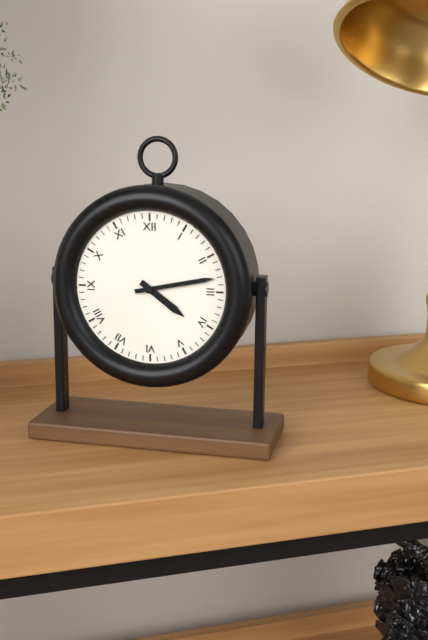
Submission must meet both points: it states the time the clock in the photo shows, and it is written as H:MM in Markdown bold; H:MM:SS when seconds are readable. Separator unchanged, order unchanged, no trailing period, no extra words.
**4:13**
